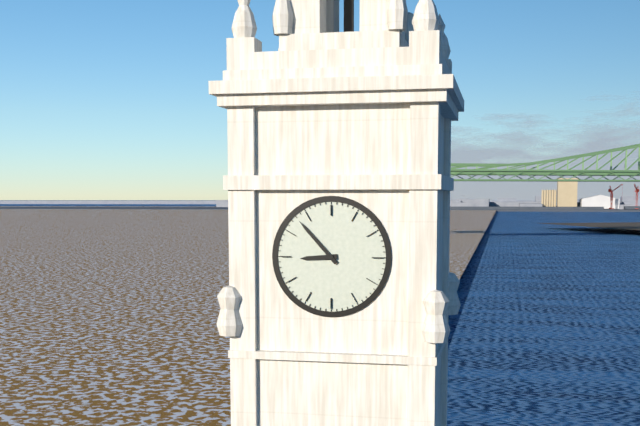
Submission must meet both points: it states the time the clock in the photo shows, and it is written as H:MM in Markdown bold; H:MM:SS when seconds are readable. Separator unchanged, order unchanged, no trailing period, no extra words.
**8:53**
